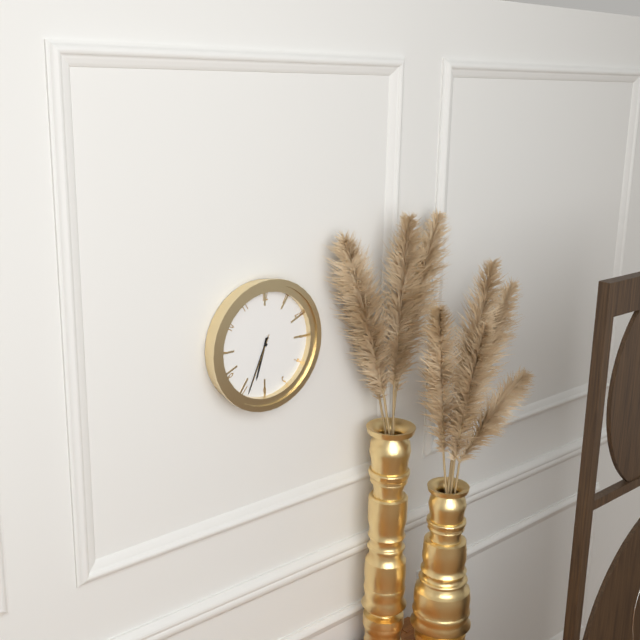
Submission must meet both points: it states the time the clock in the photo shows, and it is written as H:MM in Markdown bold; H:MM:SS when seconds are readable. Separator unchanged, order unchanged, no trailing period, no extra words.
**6:34:34**
